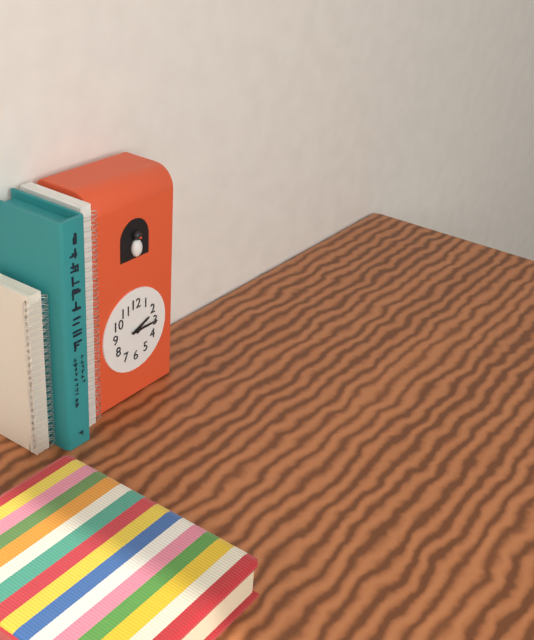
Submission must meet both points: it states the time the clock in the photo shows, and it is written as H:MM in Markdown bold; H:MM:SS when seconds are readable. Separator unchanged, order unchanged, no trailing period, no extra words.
**2:15**
